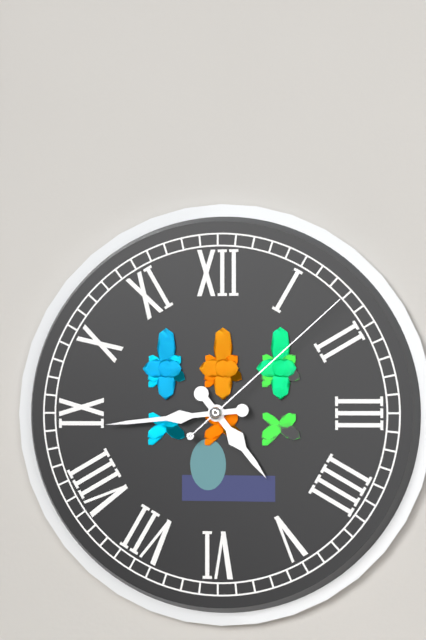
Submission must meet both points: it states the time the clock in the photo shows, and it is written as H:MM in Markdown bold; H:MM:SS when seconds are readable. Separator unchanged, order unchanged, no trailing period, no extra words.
**4:44:08**
